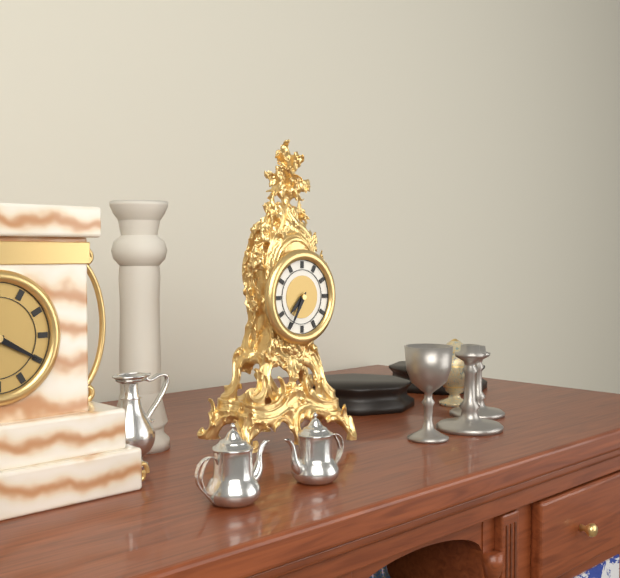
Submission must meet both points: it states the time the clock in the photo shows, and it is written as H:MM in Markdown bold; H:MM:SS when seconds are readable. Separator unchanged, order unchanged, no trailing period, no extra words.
**7:35**
